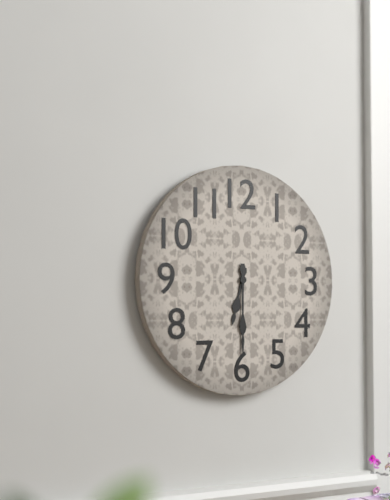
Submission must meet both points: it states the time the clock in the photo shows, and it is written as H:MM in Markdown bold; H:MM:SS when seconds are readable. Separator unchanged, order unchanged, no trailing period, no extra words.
**6:30**
